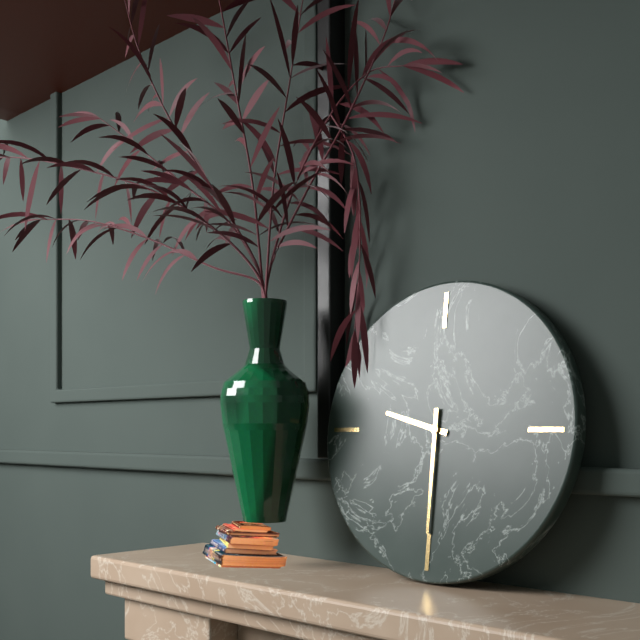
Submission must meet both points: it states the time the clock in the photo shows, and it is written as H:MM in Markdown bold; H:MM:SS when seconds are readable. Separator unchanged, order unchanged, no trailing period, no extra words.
**9:30**
